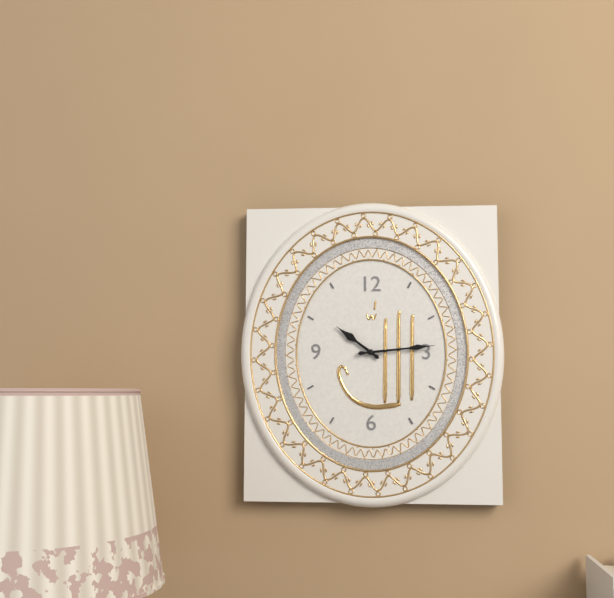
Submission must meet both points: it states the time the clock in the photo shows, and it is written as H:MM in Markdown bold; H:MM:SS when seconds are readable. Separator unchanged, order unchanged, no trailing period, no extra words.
**10:14**
